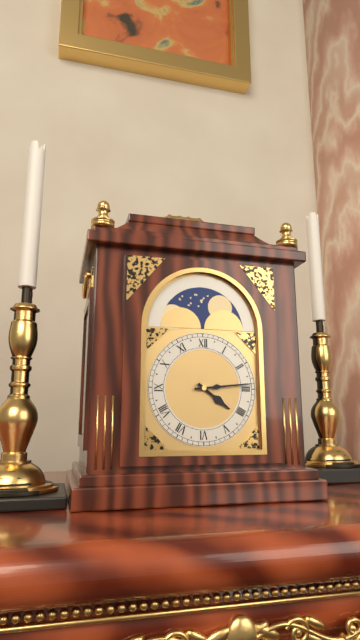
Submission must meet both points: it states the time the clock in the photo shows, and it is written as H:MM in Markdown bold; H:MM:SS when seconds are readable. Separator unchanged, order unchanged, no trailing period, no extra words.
**4:14**
